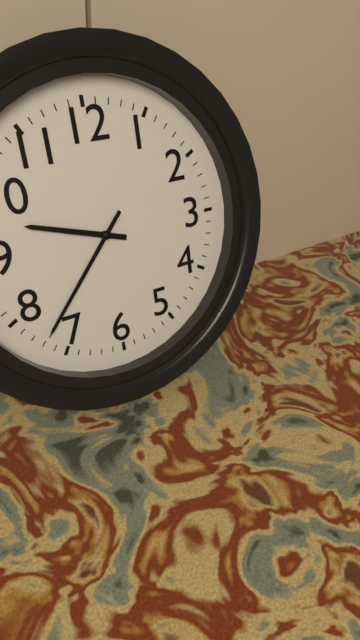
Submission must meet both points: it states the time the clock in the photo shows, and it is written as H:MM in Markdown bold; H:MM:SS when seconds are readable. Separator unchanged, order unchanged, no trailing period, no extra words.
**9:37**
